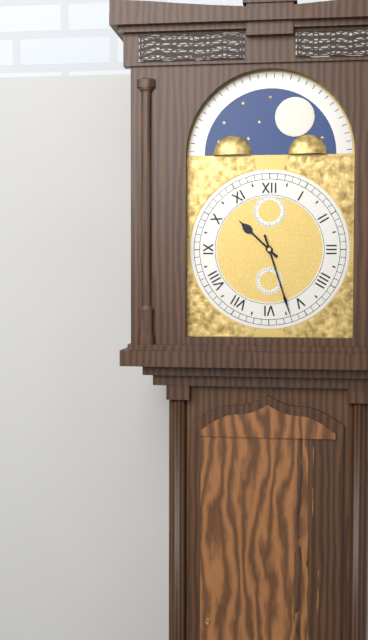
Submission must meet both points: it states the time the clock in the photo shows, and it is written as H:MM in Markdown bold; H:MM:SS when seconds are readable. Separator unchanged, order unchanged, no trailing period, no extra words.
**10:27**
